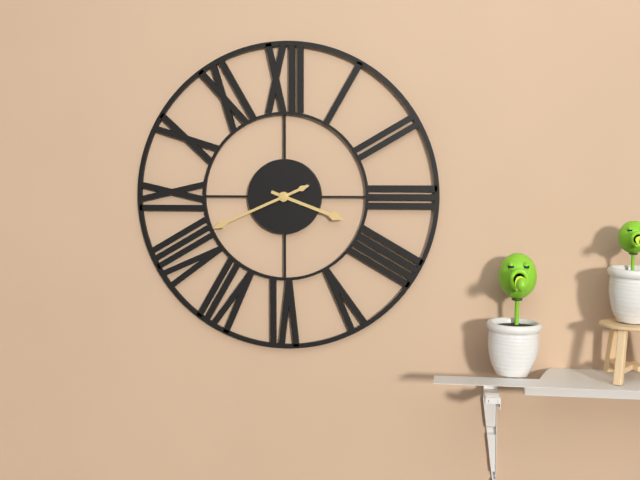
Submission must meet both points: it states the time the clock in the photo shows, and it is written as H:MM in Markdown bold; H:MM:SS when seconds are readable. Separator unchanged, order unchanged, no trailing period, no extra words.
**3:41**
